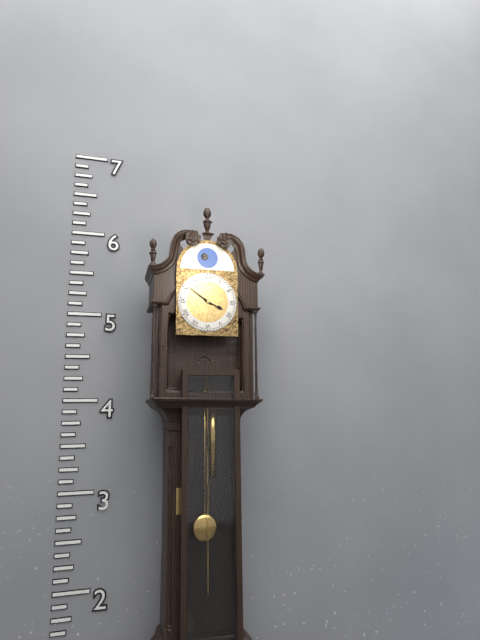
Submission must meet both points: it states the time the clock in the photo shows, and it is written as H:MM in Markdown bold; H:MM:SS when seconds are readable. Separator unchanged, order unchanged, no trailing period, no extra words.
**3:51**
